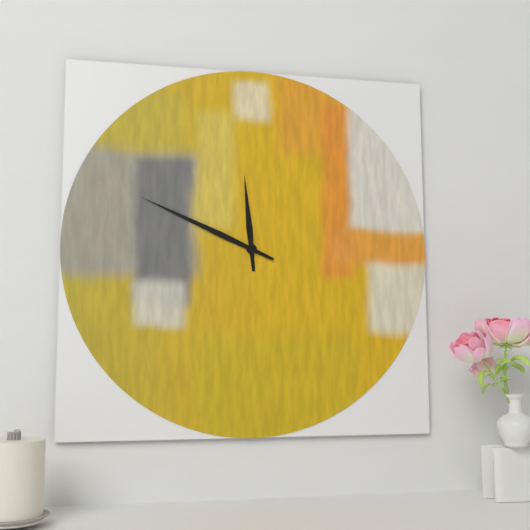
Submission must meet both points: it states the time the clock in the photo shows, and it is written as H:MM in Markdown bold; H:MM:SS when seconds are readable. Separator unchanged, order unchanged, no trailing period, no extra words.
**11:49**
